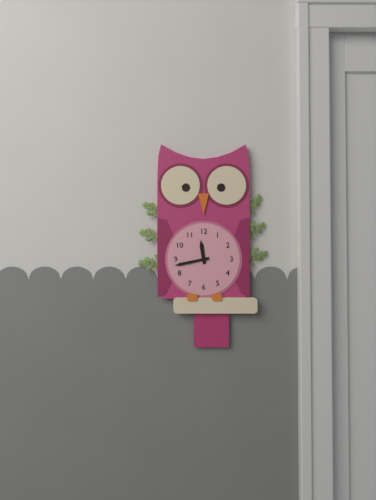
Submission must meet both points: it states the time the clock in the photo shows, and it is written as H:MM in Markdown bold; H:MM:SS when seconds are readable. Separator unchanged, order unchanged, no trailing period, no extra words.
**11:43**
